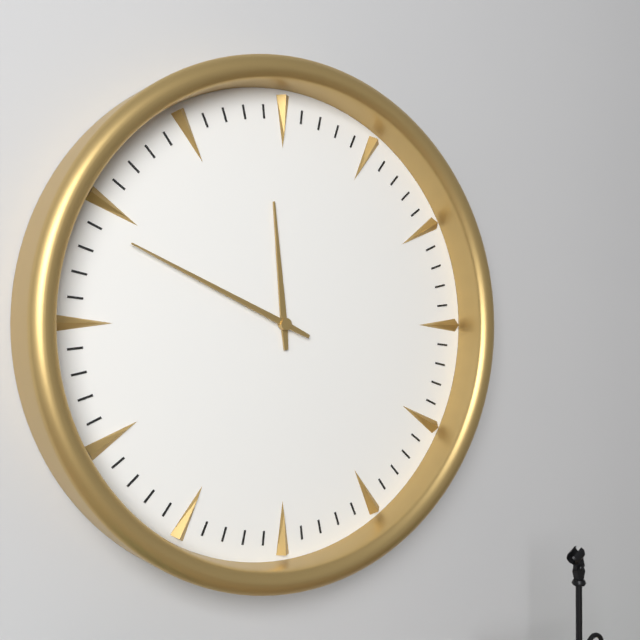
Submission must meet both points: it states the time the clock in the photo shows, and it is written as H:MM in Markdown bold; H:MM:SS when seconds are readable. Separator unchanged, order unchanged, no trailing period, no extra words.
**11:49**
